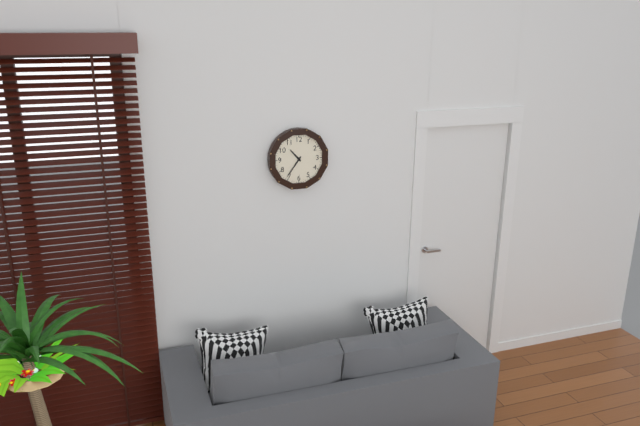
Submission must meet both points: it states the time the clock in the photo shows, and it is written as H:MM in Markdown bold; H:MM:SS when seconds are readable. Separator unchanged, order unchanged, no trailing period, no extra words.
**10:36**
